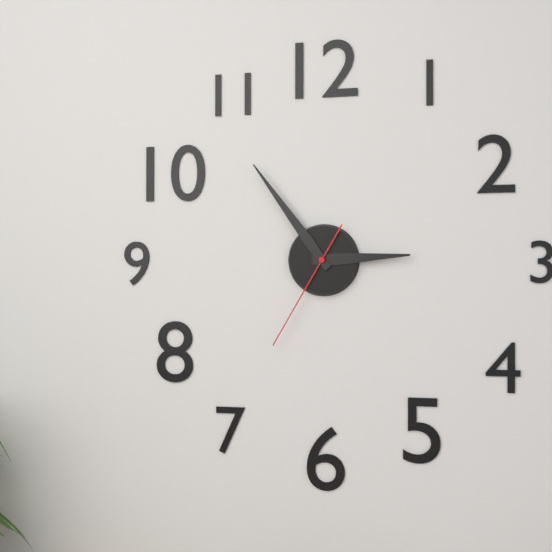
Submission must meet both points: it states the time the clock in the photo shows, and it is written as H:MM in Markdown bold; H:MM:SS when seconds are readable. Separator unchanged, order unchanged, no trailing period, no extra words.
**2:54:35**
